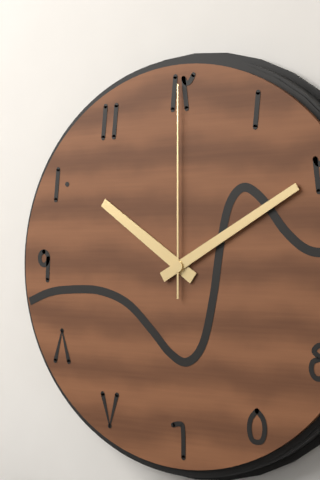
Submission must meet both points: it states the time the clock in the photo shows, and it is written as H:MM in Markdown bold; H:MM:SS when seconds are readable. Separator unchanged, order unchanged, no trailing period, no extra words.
**10:10:00**
